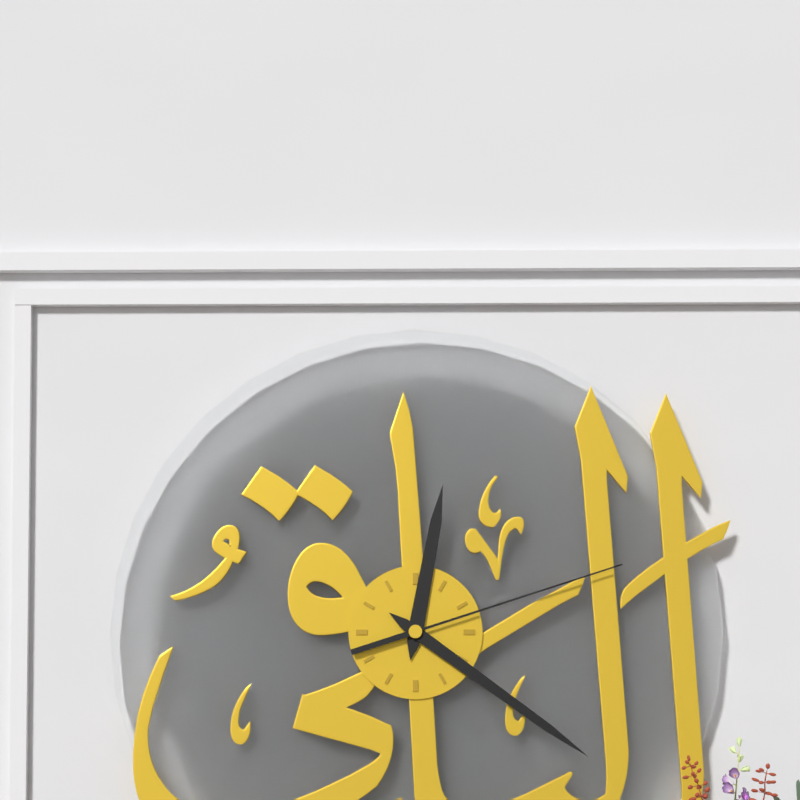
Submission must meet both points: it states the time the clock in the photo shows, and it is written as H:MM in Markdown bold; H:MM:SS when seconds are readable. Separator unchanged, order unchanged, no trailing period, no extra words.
**12:21:12**
